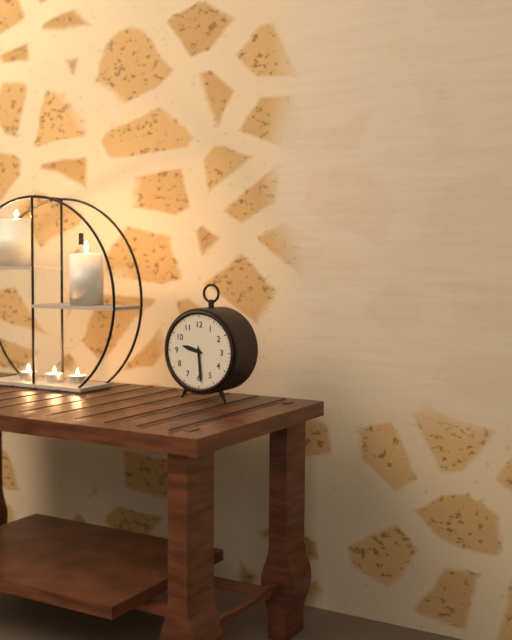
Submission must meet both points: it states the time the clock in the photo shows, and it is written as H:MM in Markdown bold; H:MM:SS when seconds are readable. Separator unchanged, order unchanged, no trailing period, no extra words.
**9:29**
